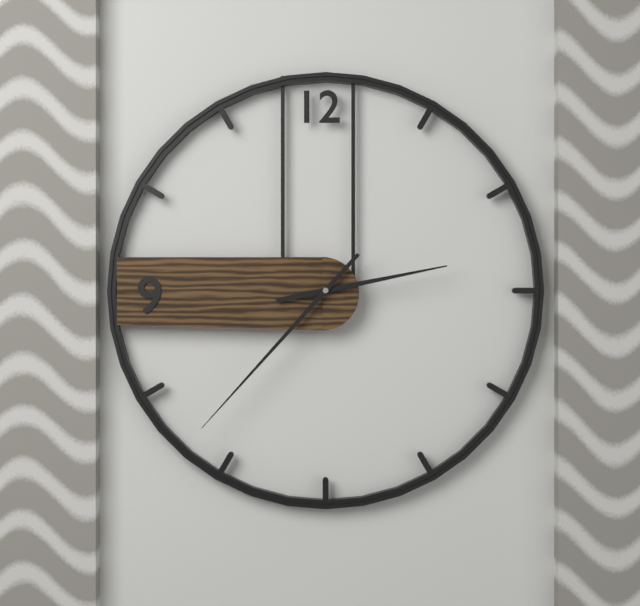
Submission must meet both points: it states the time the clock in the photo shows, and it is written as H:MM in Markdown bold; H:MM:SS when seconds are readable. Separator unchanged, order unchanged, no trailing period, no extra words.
**2:37**
